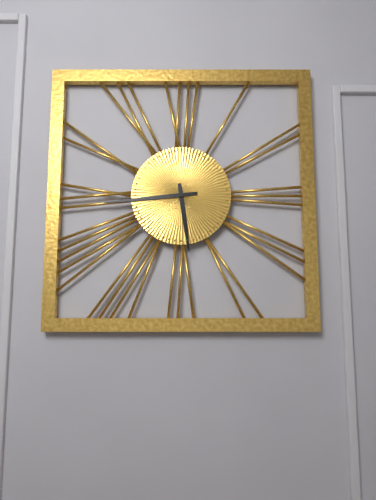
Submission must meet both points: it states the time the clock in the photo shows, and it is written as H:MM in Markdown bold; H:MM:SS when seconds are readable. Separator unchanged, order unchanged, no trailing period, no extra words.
**5:44**
